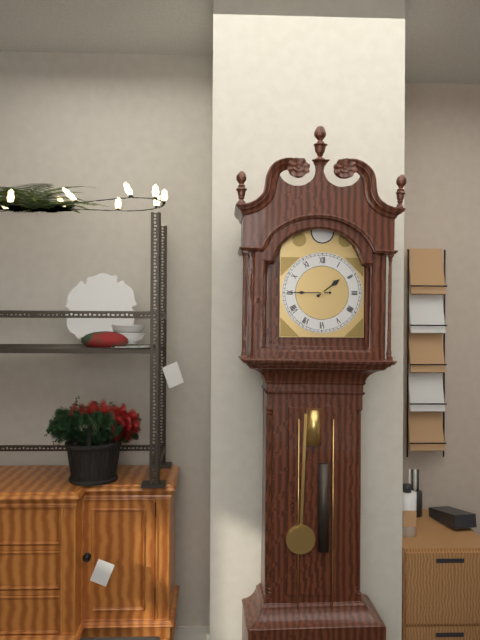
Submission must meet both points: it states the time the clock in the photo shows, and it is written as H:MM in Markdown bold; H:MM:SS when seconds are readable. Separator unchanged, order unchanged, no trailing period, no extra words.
**1:45**
